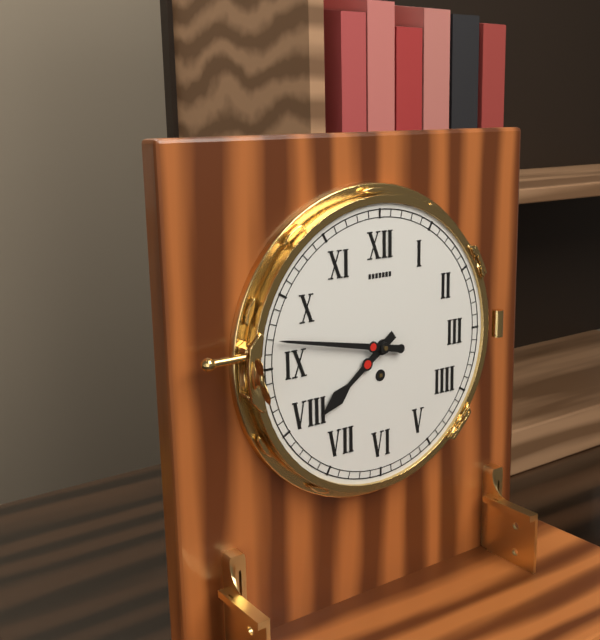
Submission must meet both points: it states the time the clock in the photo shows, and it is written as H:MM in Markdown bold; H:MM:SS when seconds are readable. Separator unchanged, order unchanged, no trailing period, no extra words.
**7:47**
